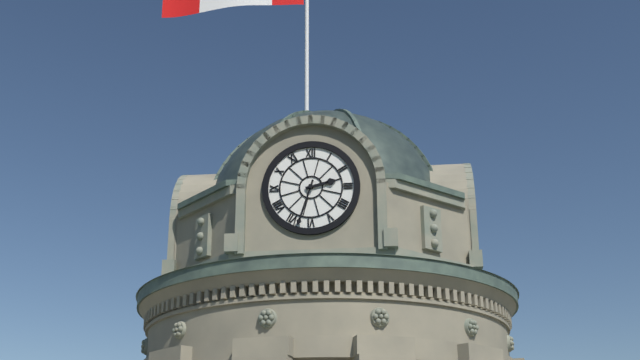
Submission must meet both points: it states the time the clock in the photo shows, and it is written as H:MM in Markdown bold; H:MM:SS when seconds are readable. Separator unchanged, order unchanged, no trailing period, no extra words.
**2:33**
